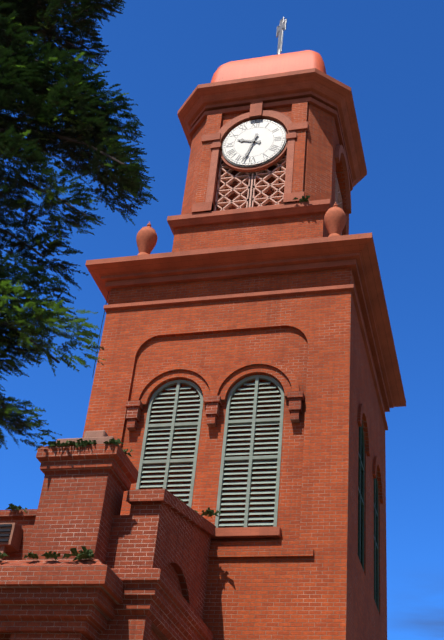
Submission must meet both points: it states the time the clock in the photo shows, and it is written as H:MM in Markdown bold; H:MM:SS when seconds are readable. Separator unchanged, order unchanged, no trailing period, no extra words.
**9:33**
